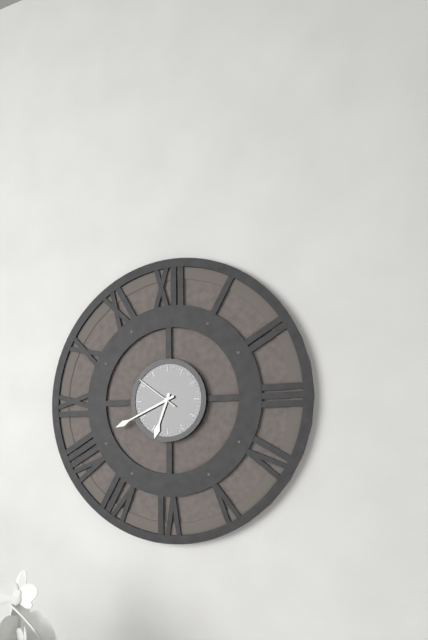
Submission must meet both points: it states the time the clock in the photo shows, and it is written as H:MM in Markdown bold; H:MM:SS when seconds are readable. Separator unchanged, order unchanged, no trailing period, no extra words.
**6:41:51**
